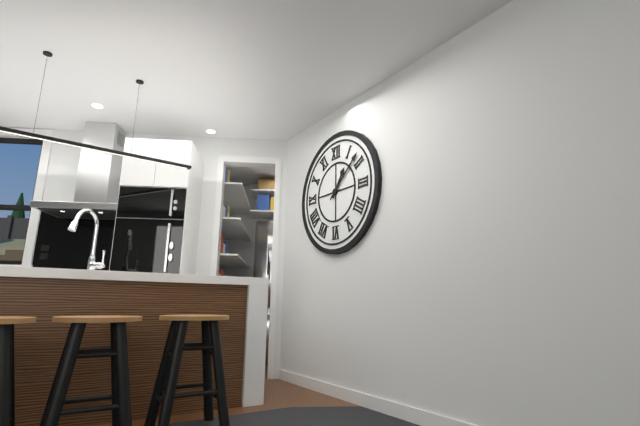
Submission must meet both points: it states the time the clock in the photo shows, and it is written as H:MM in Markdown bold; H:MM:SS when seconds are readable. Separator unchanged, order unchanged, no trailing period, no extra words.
**1:08**
